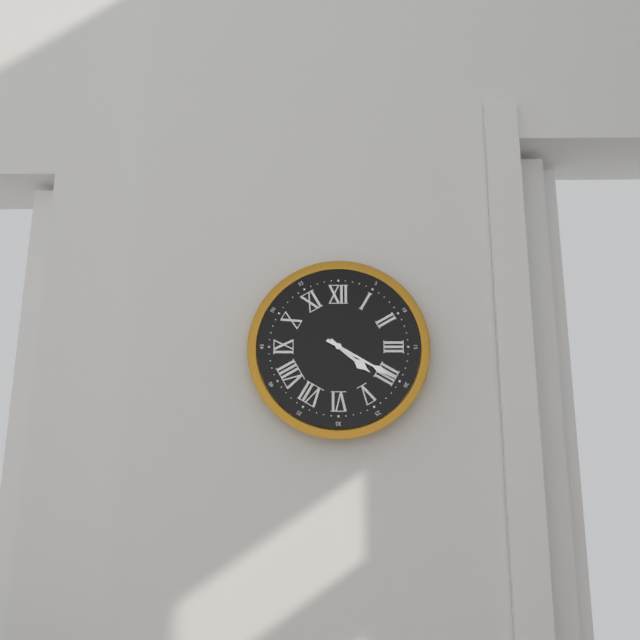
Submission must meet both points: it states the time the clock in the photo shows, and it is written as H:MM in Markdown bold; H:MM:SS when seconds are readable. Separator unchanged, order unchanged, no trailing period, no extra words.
**4:20**
